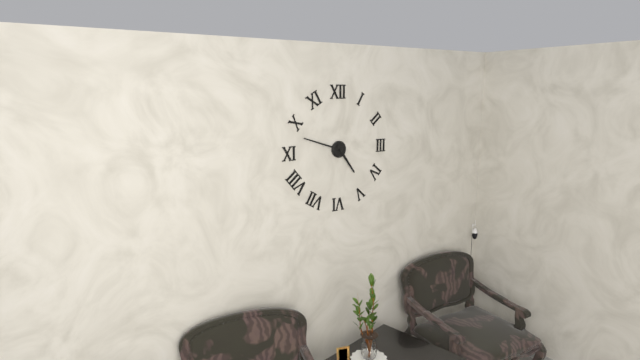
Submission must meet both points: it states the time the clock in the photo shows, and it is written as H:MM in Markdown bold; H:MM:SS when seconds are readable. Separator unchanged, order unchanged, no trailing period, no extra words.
**4:48**
